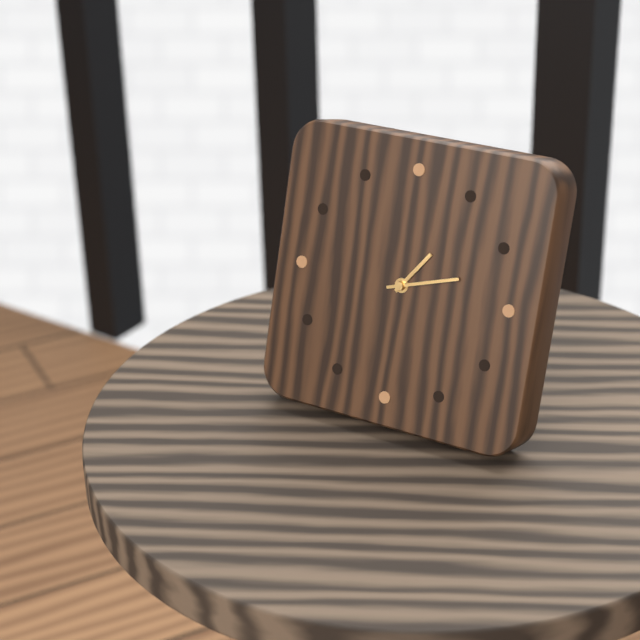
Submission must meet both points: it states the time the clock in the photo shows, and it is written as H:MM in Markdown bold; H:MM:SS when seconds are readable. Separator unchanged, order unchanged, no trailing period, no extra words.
**1:12**
